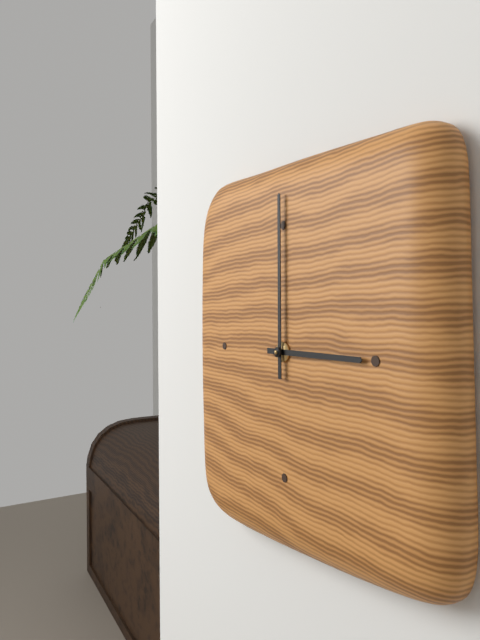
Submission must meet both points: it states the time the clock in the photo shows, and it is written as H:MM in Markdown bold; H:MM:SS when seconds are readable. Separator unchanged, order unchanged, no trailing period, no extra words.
**3:00**
